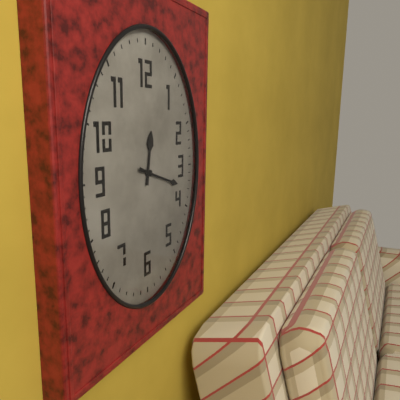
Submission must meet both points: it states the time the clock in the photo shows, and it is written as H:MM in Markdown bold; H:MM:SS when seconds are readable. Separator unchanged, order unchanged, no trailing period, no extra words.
**12:18**
